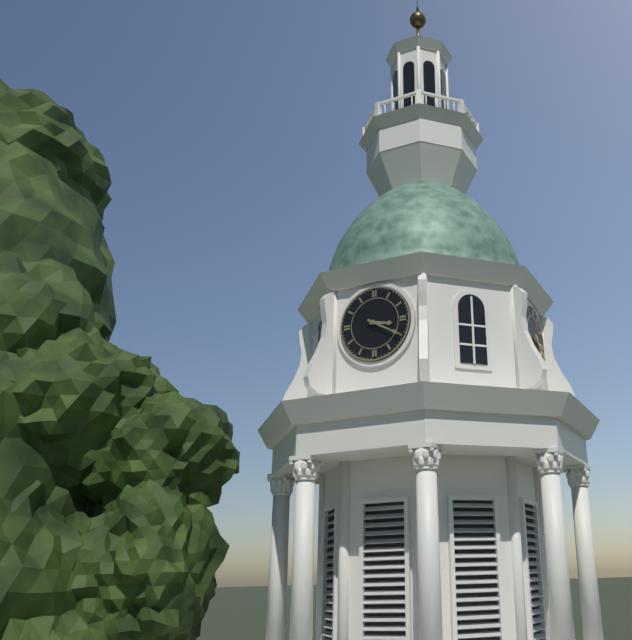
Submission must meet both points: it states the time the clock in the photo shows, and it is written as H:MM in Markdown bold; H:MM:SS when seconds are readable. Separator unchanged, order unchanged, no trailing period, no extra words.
**3:20**
